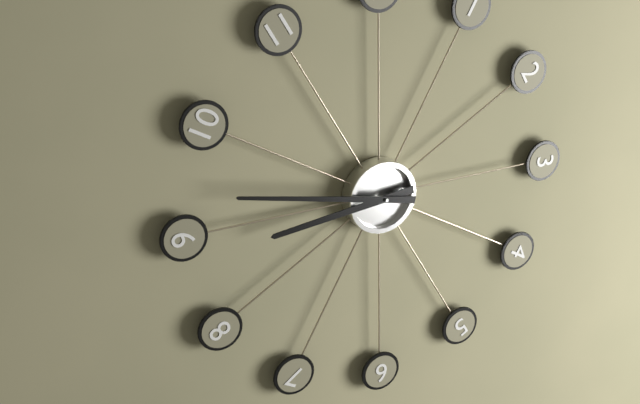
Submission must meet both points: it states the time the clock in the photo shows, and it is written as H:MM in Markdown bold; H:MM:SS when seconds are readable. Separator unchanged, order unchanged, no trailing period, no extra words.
**8:47**
